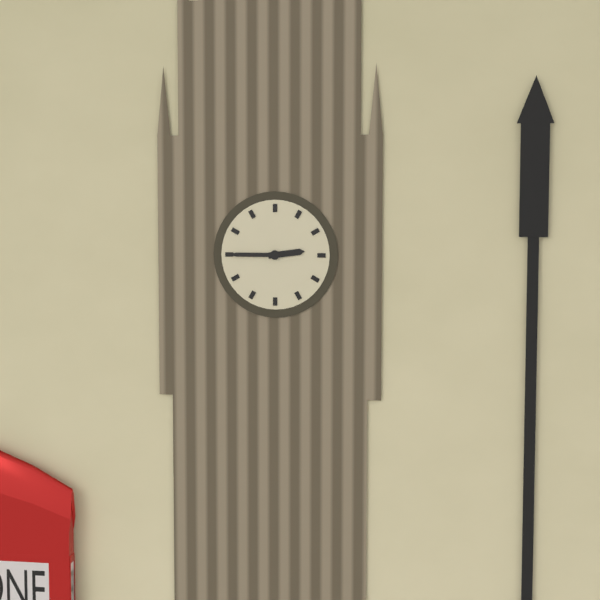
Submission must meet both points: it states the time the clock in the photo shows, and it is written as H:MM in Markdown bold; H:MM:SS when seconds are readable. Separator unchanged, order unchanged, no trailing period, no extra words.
**2:45**
